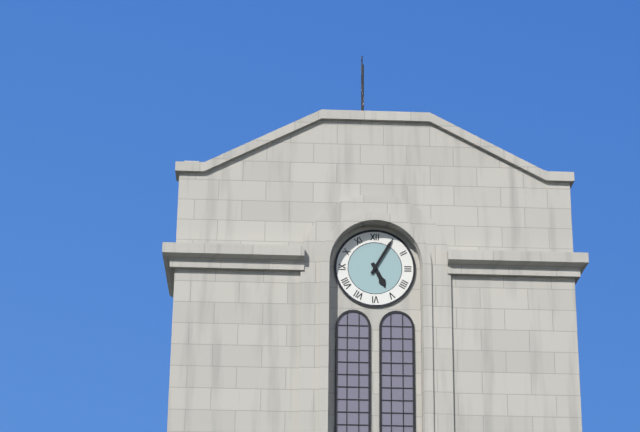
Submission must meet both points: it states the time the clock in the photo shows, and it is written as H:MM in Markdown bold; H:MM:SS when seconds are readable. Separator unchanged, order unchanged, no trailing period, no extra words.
**5:05**
